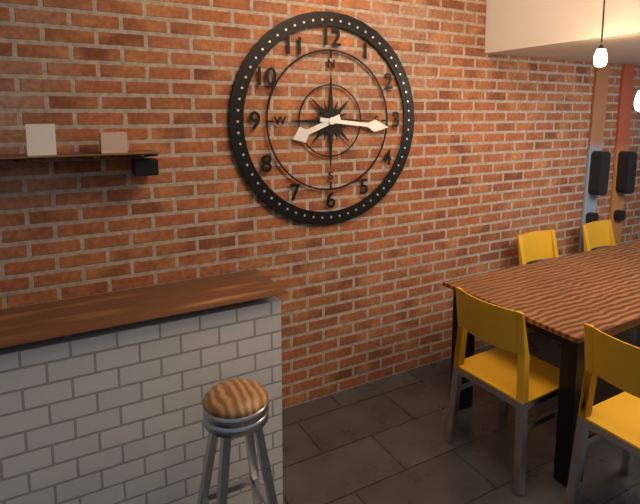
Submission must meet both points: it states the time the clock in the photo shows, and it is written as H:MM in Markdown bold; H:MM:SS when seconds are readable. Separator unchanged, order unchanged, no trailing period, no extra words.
**8:16**
